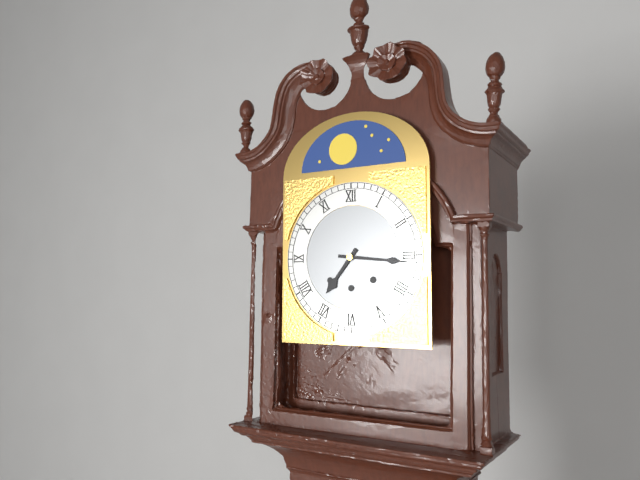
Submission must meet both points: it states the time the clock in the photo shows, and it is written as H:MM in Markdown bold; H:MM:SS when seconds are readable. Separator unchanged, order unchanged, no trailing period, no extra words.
**7:16**
